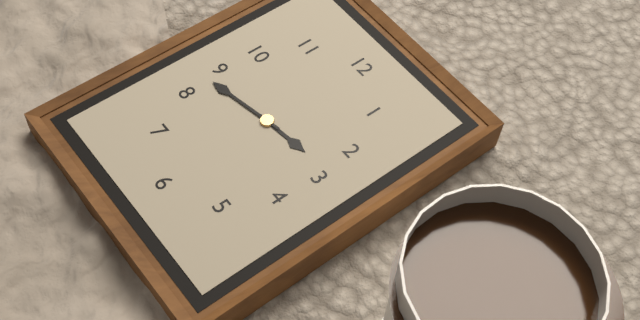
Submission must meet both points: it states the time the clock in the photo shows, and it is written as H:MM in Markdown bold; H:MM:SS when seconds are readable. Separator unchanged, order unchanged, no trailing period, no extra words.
**2:43**
